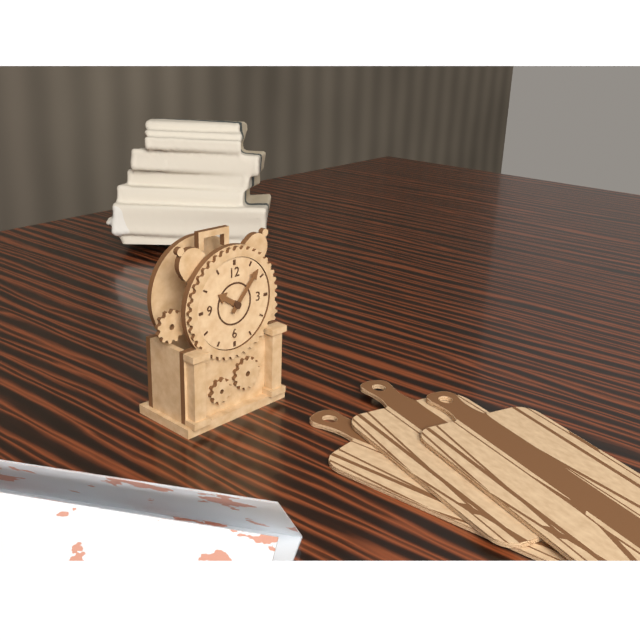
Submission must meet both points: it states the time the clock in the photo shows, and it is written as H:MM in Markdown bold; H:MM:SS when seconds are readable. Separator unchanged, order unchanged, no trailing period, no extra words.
**10:07**
